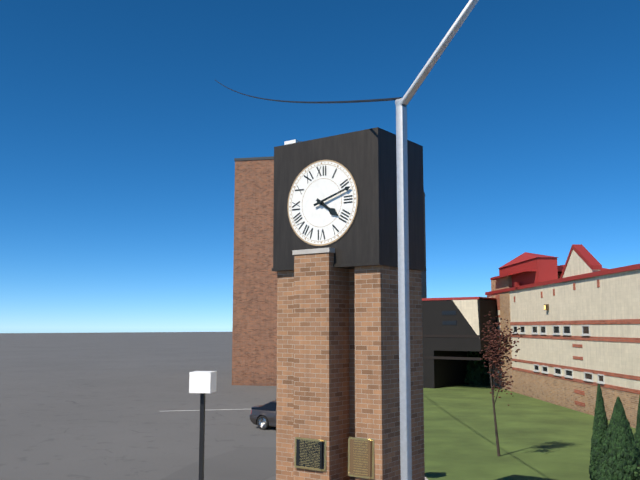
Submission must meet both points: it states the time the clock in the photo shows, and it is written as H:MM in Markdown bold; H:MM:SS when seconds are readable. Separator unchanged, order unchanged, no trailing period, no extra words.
**4:12**
